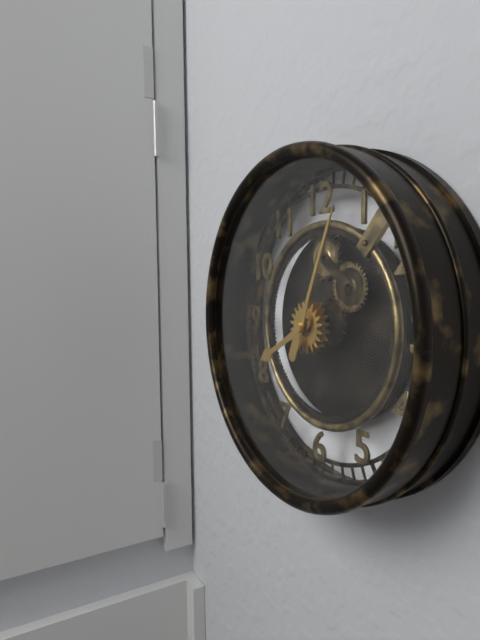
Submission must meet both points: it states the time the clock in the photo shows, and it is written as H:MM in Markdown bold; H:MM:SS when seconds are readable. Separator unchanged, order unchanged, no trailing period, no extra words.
**8:04**
